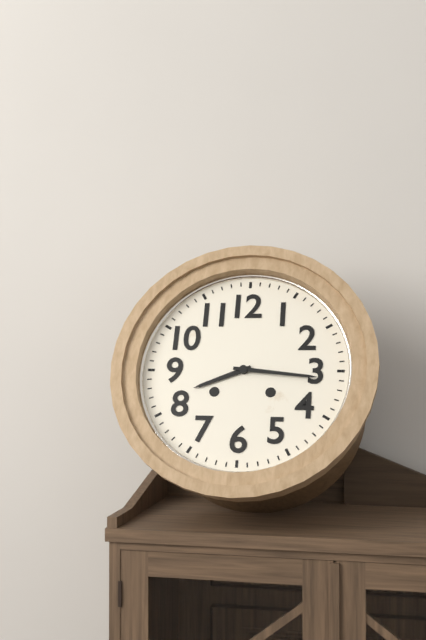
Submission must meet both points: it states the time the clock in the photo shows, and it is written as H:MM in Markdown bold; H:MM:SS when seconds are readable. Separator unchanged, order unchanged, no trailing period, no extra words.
**8:16**
